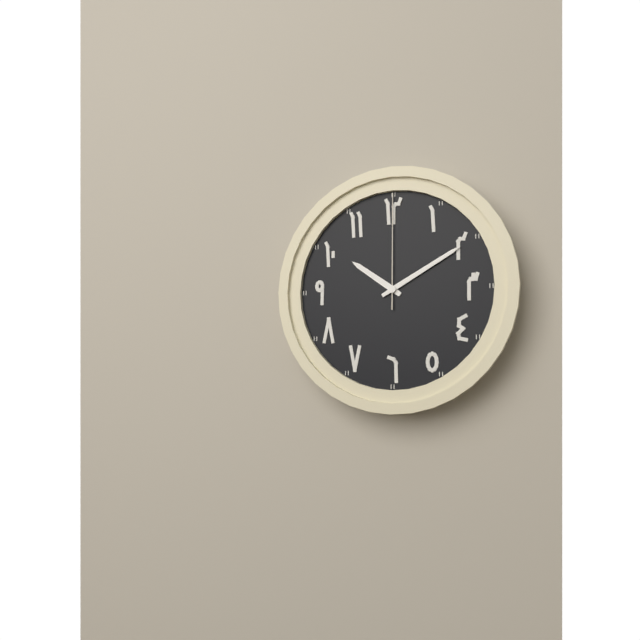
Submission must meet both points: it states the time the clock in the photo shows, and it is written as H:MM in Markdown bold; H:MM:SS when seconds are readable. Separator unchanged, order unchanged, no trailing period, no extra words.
**10:10:00**
